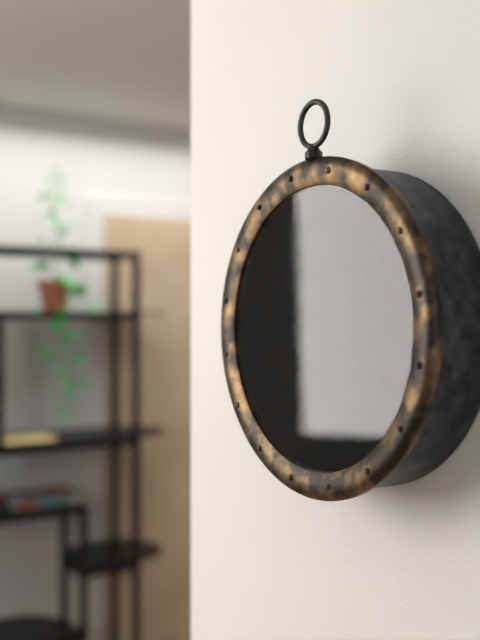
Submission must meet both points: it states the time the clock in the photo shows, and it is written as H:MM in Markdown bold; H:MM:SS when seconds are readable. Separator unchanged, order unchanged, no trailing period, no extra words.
**9:16**
